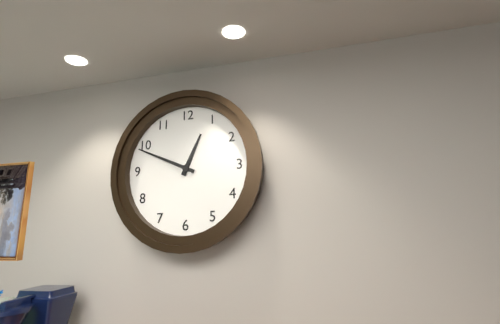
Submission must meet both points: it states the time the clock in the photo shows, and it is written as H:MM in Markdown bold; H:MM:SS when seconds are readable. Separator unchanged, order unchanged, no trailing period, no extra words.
**12:49**
